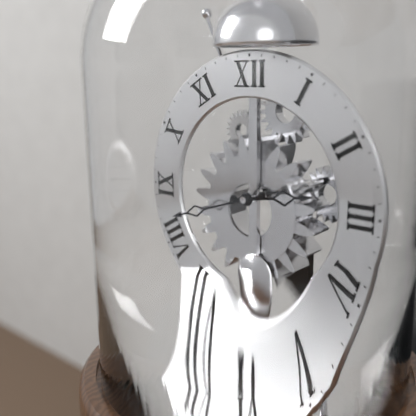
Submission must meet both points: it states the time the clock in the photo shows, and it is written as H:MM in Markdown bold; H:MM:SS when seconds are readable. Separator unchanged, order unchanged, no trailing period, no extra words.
**2:42**
